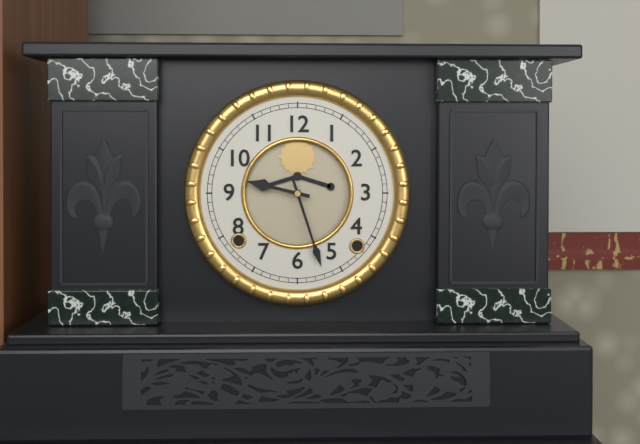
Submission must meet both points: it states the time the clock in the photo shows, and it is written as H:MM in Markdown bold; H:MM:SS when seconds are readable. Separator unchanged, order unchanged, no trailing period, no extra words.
**9:27**
